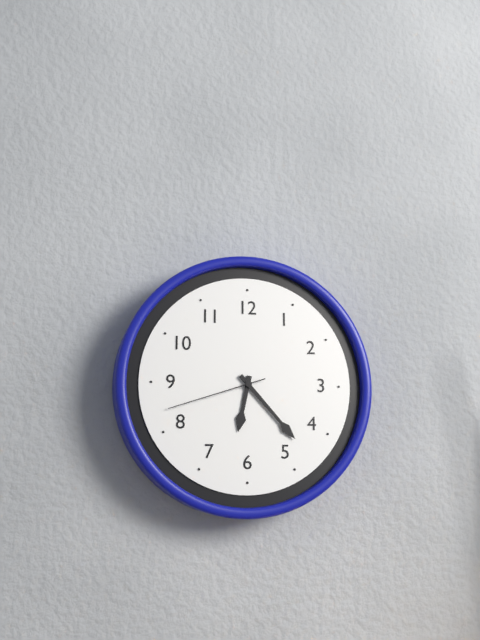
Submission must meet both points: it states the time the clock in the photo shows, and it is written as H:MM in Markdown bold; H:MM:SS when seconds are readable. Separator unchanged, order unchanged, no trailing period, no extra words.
**6:23:42**
